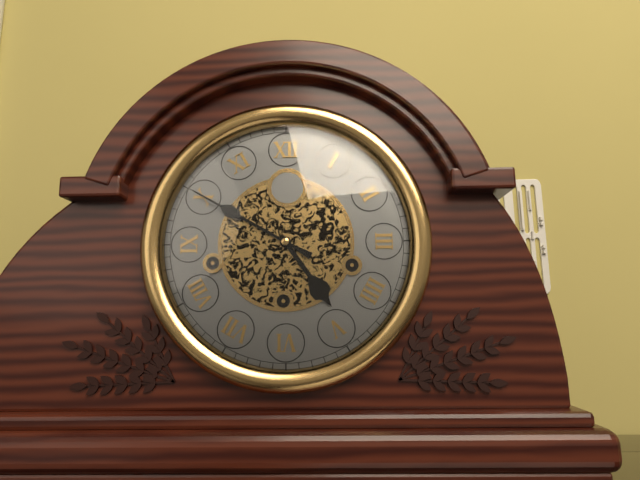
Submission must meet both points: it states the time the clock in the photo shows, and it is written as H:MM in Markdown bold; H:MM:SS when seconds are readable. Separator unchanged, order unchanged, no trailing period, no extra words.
**4:50**
